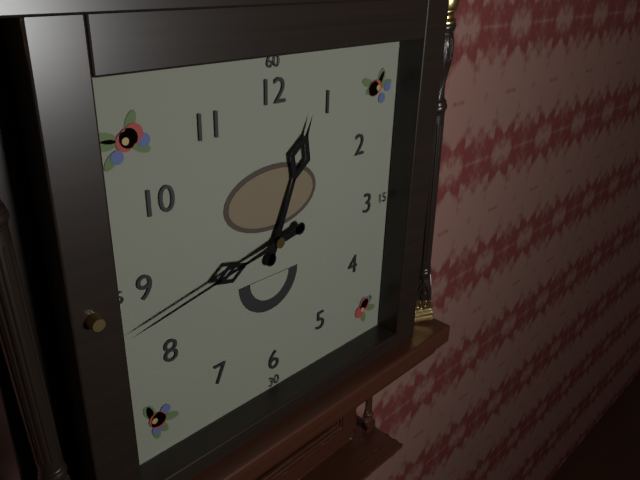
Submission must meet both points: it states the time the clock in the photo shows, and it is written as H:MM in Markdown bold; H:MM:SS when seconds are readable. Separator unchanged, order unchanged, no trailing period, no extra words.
**12:43**
